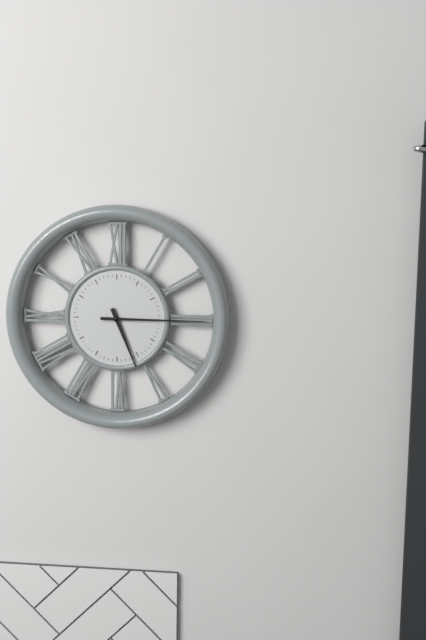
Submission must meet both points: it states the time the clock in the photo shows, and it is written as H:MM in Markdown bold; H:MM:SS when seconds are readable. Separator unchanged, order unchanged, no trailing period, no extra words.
**5:15**
